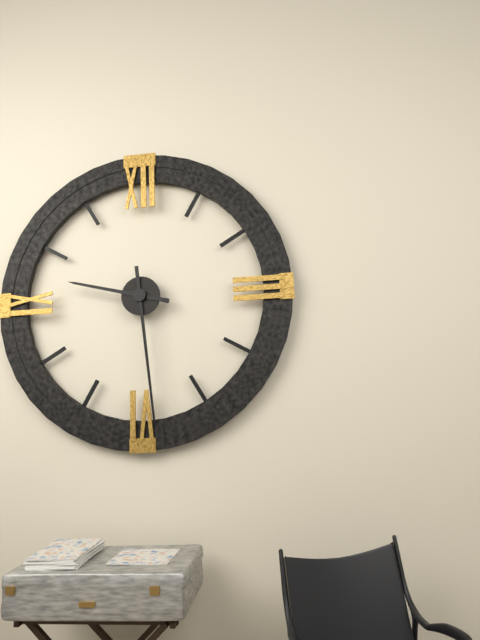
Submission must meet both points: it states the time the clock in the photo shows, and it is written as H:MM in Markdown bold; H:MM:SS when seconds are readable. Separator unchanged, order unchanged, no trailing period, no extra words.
**9:29**
